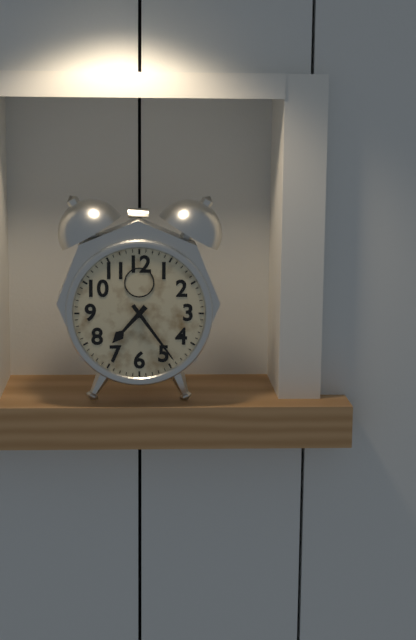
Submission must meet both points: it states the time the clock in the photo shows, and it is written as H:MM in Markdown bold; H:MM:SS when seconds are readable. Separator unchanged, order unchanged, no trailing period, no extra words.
**7:24**
